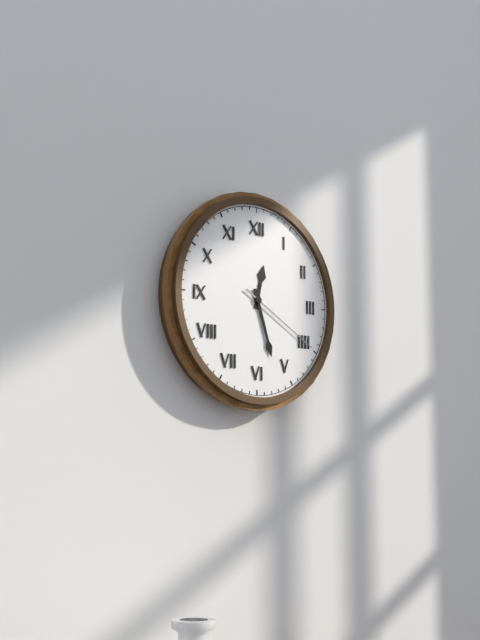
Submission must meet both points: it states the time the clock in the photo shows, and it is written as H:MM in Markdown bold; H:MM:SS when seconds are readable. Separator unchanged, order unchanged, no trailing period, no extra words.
**12:27:20**
